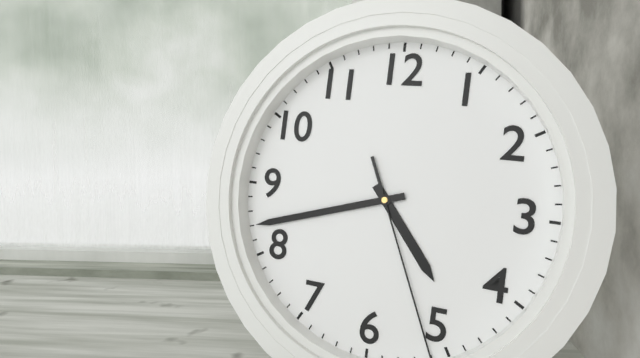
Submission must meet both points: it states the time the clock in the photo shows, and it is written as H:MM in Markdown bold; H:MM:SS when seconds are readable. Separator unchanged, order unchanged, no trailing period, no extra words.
**4:42:26**
